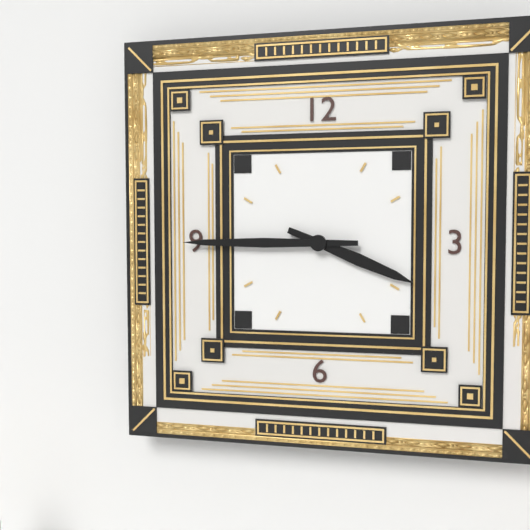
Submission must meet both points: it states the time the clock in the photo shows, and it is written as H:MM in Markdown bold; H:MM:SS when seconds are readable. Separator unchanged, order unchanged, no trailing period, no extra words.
**3:45**
